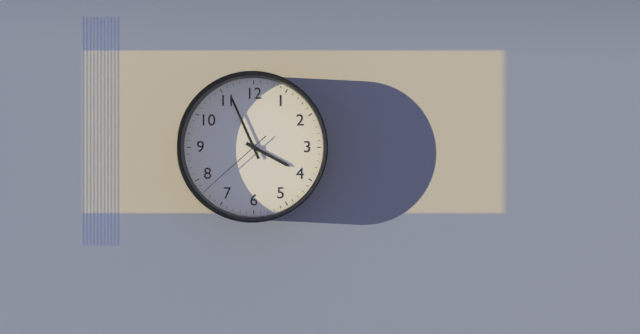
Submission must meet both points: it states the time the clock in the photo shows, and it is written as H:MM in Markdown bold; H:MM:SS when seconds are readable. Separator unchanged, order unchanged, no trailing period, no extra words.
**3:56:38**
